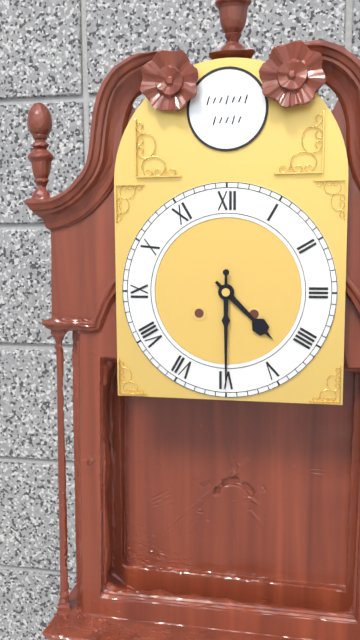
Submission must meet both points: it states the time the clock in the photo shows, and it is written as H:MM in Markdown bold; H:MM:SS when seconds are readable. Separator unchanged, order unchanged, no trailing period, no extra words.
**4:30**
